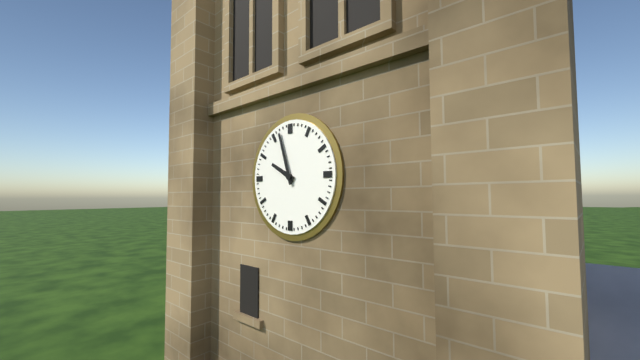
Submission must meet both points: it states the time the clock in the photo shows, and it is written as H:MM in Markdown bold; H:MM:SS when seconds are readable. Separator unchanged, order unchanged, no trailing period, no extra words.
**9:57**
